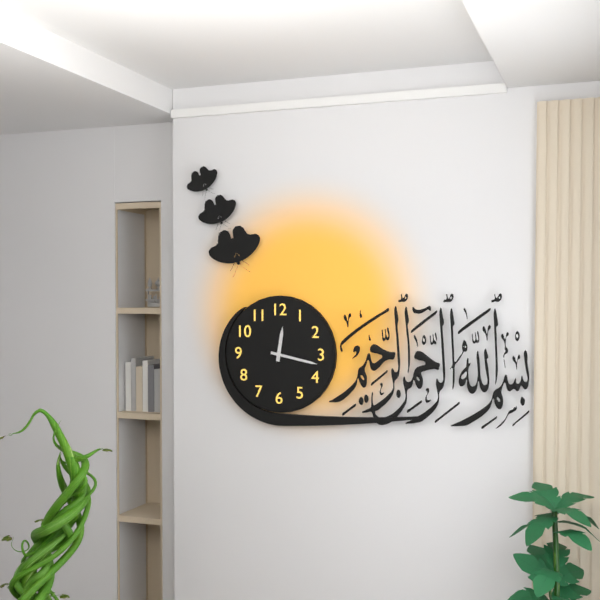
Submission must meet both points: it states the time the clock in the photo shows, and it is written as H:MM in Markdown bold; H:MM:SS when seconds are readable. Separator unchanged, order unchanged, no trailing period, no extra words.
**12:17**
